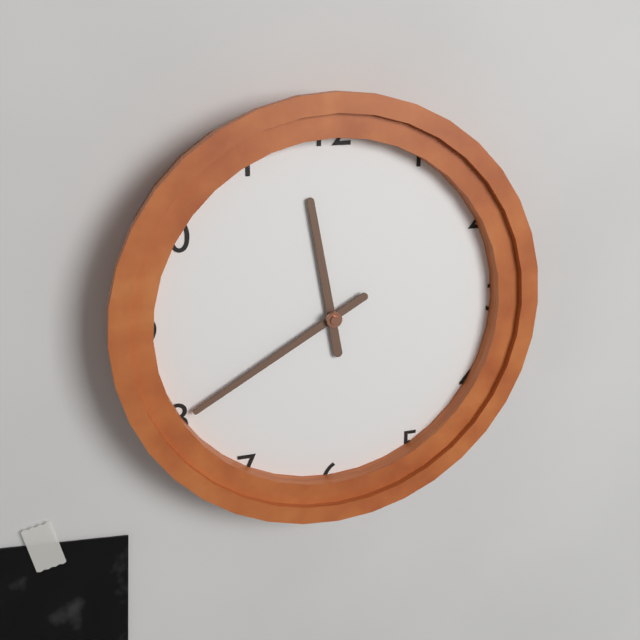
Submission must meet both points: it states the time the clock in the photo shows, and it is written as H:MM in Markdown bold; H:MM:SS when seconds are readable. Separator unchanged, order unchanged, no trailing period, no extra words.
**11:40**
